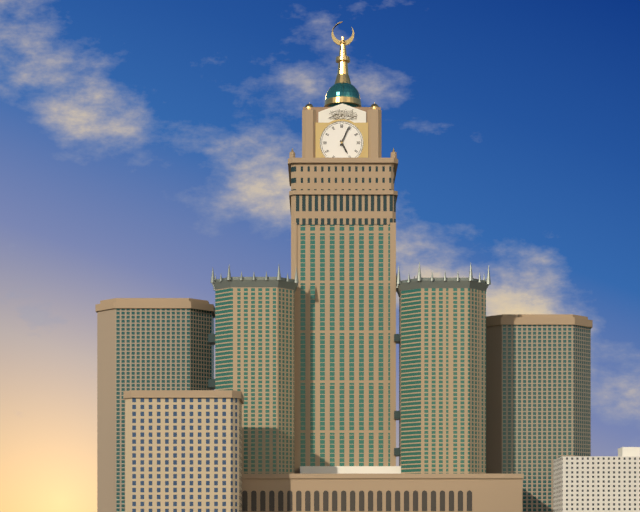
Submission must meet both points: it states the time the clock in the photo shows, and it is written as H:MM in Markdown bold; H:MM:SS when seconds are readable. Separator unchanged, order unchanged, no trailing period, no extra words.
**5:04**
